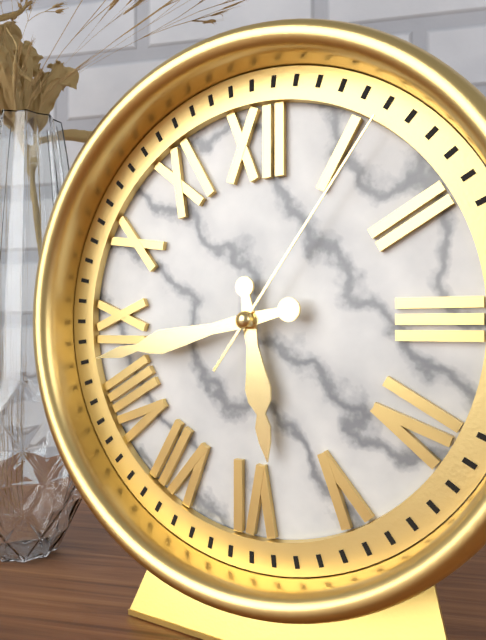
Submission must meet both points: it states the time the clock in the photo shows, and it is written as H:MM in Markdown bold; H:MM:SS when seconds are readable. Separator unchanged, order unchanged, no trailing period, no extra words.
**5:43:06**
